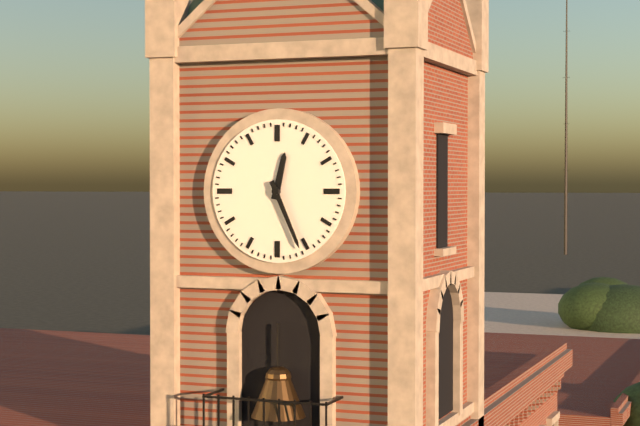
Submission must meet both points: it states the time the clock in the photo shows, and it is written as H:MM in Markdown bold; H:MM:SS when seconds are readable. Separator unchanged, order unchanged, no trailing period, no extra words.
**12:26**
